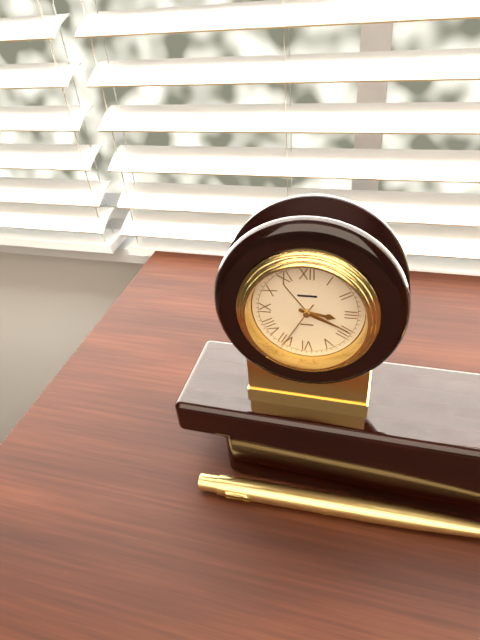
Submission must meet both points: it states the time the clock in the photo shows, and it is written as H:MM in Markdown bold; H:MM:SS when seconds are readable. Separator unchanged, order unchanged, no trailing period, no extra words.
**3:19:35**
